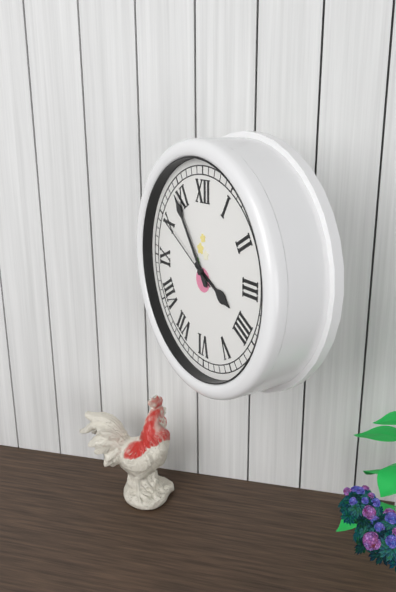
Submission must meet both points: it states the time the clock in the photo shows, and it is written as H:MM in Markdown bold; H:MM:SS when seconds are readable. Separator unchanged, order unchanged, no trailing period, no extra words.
**3:54:50**
